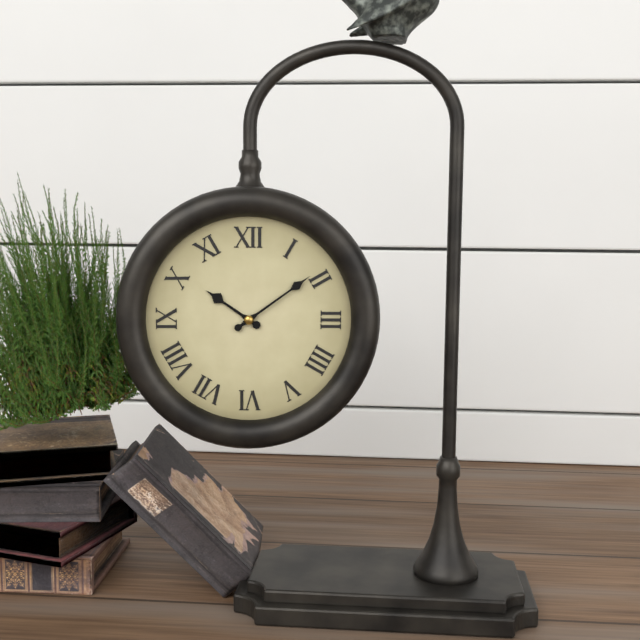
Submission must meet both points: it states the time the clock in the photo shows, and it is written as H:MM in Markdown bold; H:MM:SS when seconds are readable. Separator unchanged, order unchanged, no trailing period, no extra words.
**10:09**
